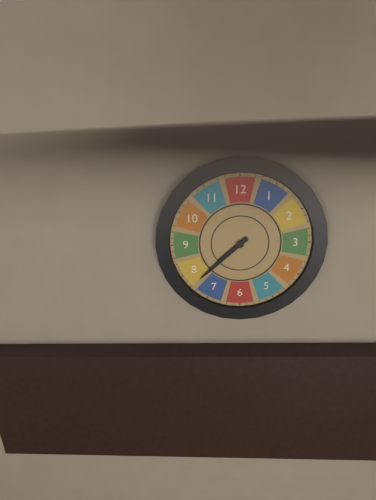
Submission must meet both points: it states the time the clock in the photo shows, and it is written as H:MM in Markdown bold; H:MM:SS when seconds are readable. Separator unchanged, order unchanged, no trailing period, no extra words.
**7:38**
